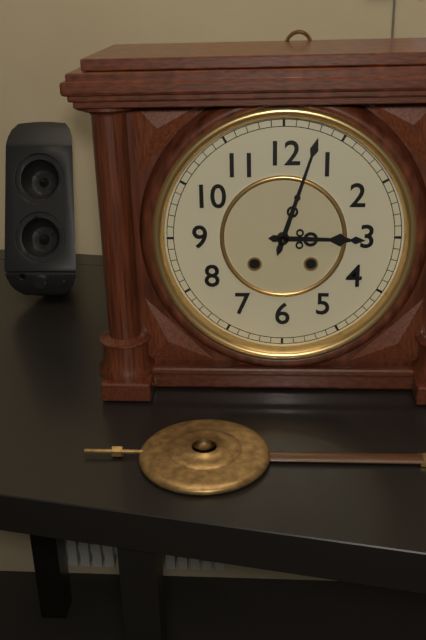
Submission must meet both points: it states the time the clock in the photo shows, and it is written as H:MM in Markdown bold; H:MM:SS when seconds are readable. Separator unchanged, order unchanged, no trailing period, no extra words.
**3:03**
